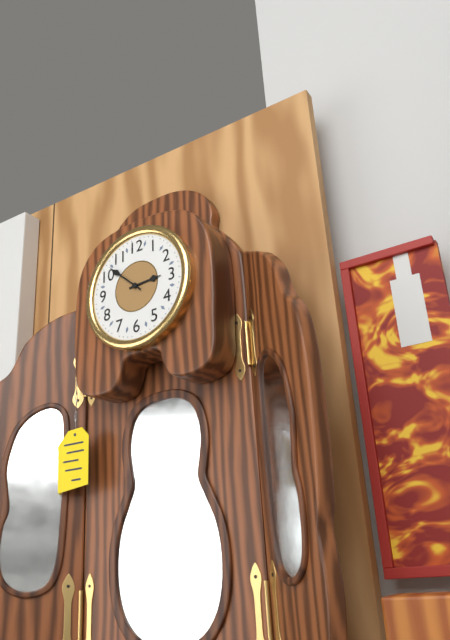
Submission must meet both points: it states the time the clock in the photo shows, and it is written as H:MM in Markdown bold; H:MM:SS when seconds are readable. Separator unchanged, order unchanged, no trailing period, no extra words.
**2:52**
